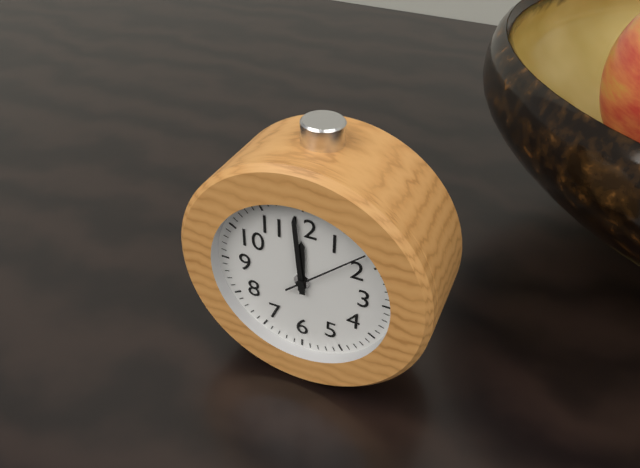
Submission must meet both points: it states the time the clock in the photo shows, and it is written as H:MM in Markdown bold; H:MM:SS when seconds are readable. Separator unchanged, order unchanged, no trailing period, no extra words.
**11:59:08**
